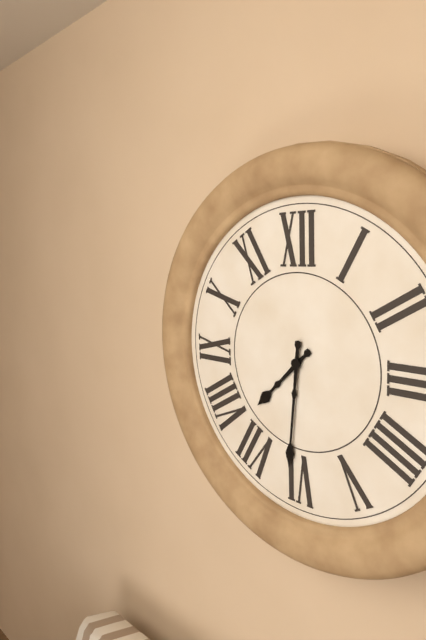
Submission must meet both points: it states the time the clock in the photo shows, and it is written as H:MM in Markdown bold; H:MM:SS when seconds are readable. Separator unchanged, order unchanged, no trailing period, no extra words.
**7:31**
